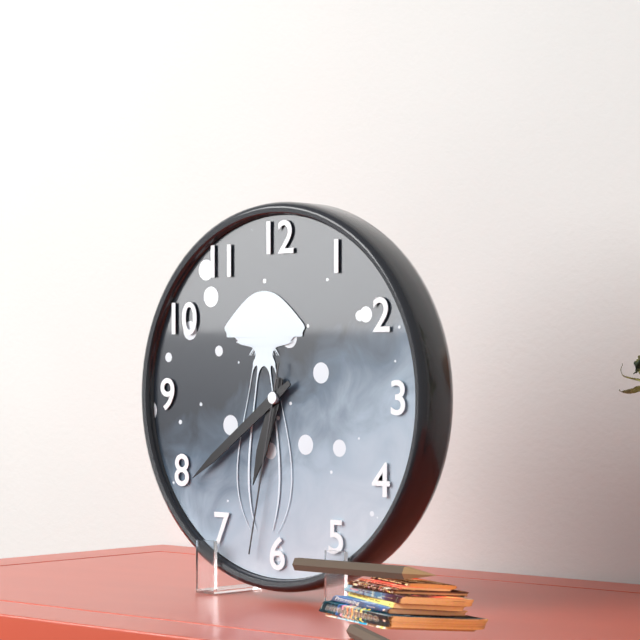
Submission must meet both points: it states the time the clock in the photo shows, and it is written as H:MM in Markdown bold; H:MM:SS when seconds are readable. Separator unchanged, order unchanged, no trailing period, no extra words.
**6:39:32**
